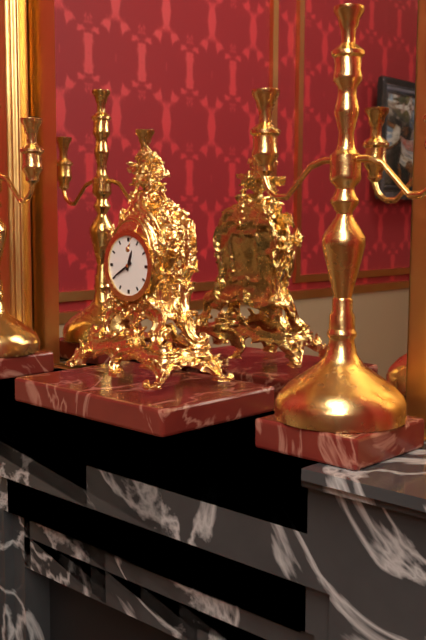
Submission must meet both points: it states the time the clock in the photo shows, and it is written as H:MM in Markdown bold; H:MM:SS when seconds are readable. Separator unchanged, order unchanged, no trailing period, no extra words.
**12:40**
